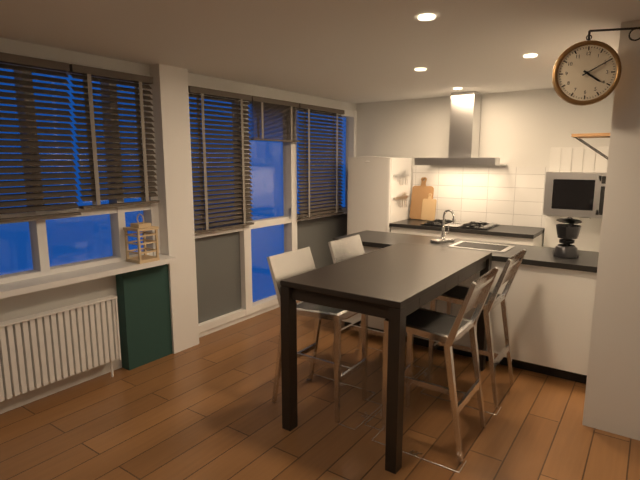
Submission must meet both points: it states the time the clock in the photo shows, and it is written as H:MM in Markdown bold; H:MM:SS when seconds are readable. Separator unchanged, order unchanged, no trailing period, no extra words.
**4:10**
